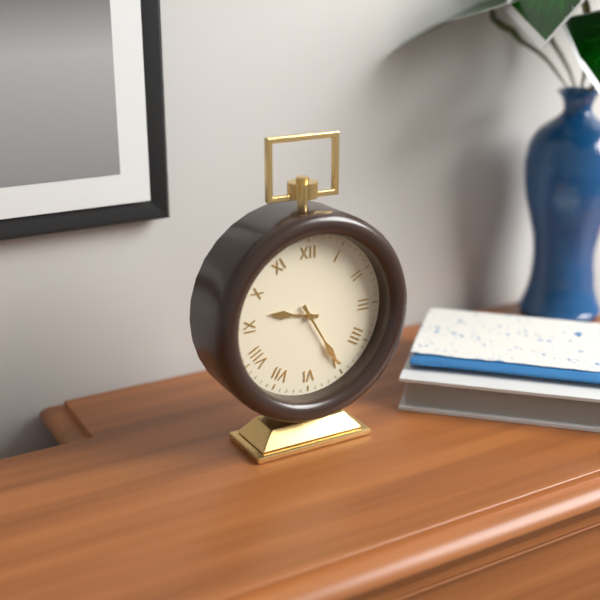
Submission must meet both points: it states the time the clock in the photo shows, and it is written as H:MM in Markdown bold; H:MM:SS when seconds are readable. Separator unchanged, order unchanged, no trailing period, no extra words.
**9:25**
